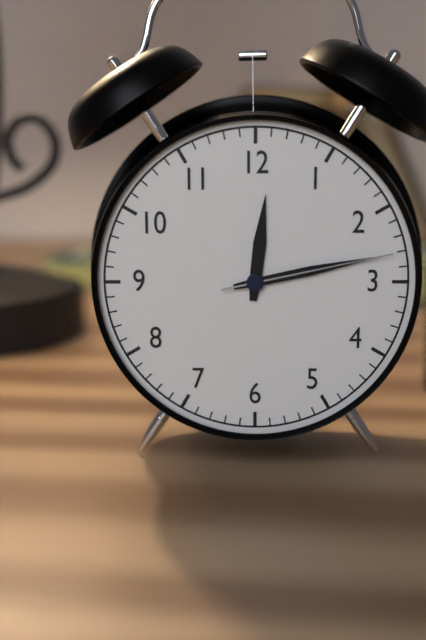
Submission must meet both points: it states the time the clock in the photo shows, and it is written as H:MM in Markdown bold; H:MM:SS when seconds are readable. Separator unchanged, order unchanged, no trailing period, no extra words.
**12:13:13**
